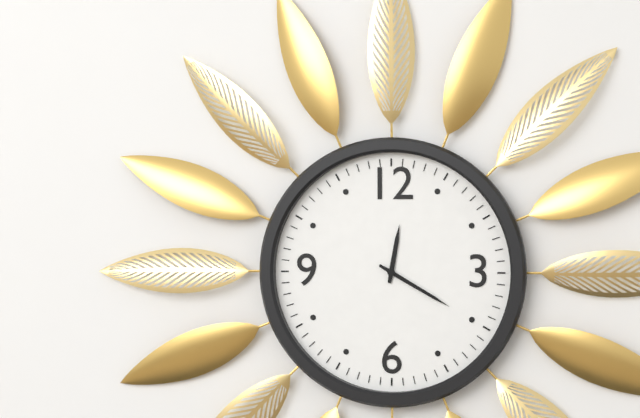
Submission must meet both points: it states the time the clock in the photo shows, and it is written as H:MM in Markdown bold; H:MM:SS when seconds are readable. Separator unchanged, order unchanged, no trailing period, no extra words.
**12:20**
